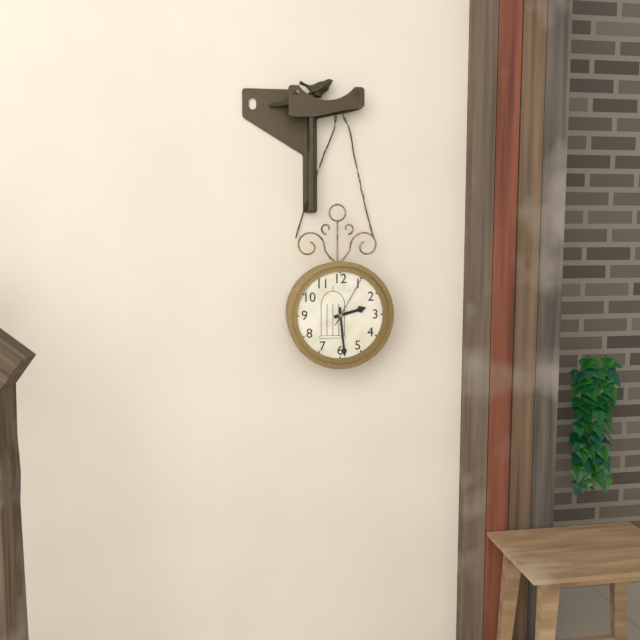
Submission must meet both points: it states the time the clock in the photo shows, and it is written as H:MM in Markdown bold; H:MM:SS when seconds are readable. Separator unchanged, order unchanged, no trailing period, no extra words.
**2:29:05**
